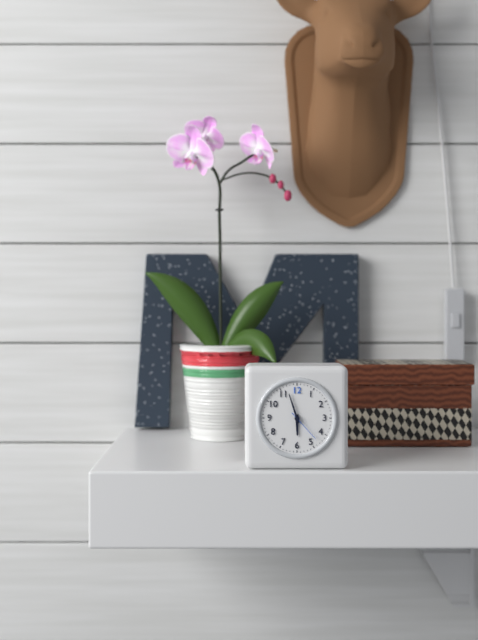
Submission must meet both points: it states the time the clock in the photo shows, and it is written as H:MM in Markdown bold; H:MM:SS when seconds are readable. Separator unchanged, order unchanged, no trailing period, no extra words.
**5:57**
